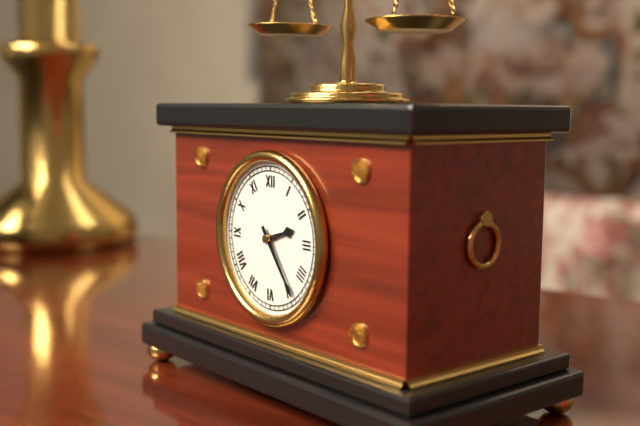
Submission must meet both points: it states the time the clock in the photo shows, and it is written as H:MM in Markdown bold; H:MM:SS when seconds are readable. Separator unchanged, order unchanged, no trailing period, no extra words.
**2:24**
